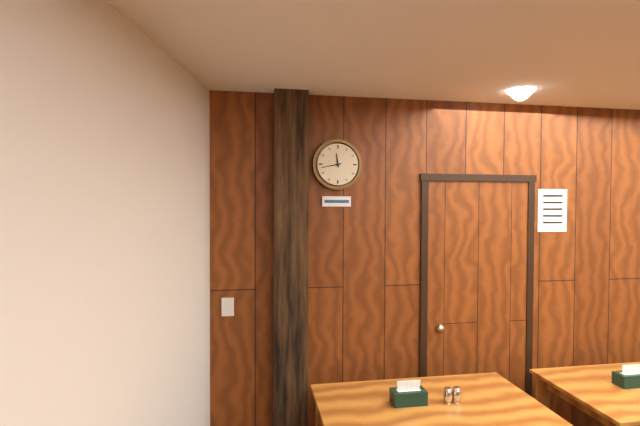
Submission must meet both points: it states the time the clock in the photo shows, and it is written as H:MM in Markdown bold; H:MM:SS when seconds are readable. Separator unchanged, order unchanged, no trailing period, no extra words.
**11:43**
